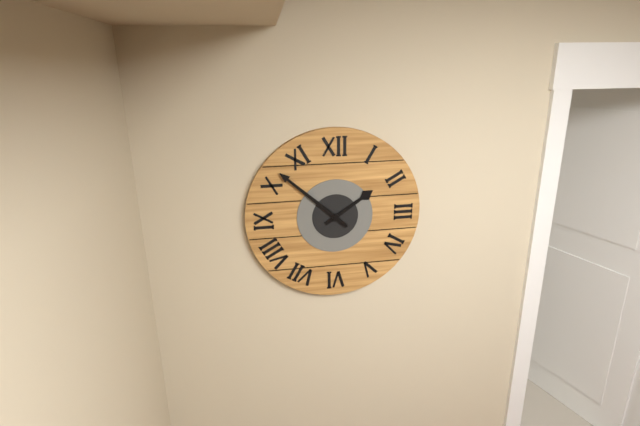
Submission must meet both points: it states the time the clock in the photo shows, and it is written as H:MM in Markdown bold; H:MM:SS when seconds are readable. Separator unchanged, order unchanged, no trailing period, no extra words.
**1:52**
